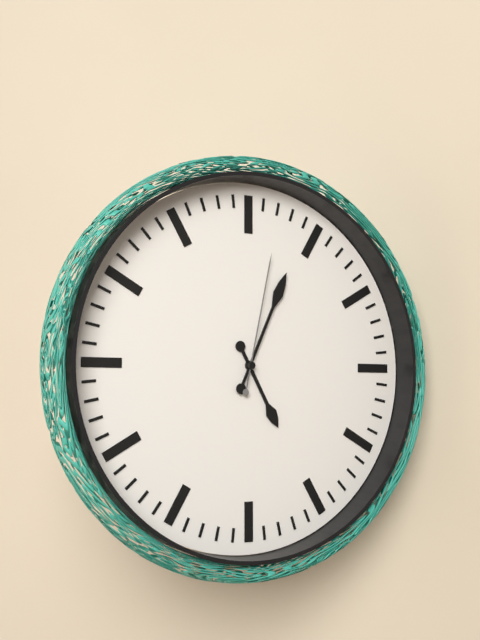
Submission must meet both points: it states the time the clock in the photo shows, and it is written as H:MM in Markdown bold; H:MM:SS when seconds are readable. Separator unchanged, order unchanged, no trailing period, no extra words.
**5:04:02**
